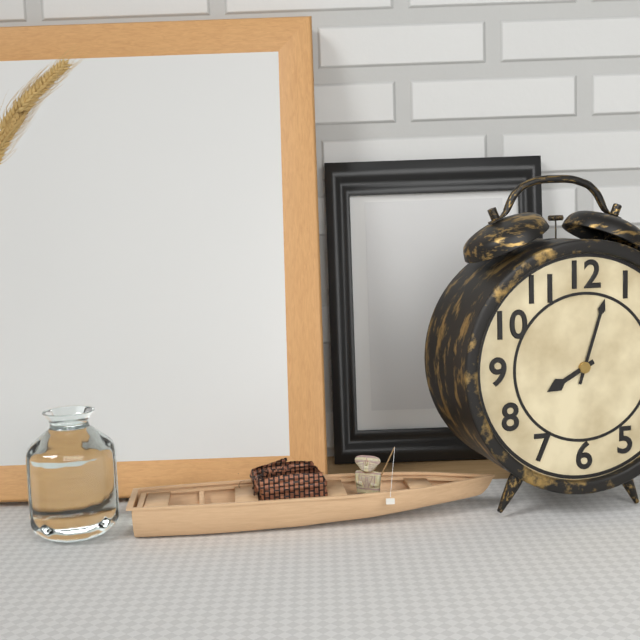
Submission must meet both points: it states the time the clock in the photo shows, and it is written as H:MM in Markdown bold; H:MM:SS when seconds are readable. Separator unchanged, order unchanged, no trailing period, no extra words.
**8:03**
